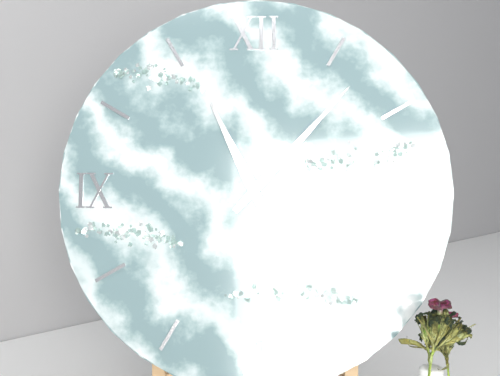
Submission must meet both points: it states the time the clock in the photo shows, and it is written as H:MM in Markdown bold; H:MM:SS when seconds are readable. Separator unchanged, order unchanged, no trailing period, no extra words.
**11:07**
